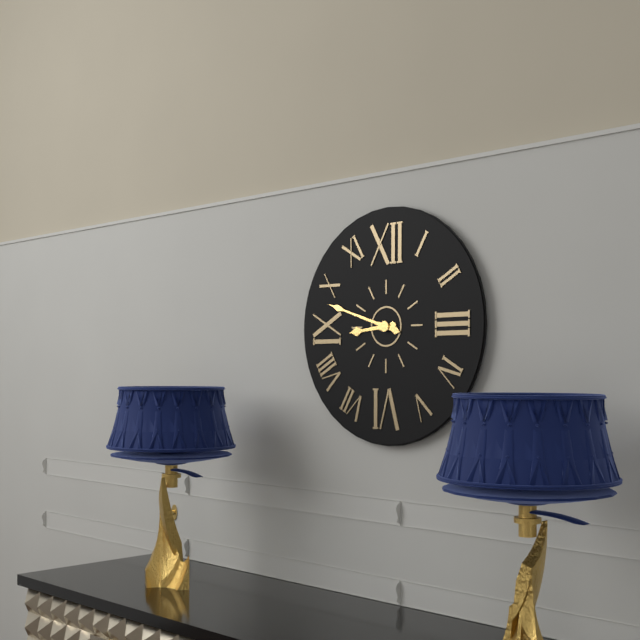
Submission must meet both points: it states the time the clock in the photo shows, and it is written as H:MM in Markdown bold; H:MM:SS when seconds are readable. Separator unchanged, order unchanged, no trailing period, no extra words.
**8:48**
